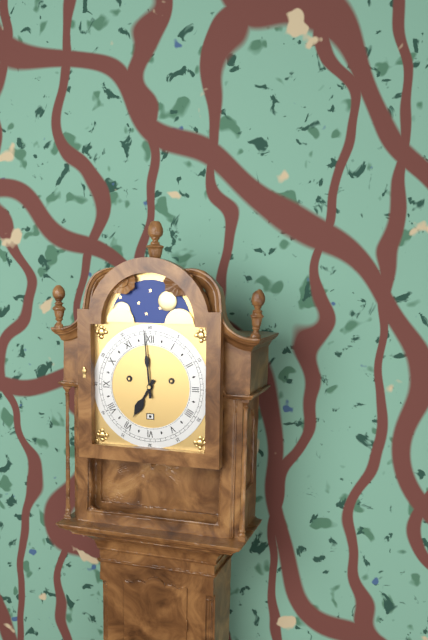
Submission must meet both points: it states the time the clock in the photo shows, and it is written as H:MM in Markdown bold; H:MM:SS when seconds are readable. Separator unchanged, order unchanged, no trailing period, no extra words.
**6:59**
